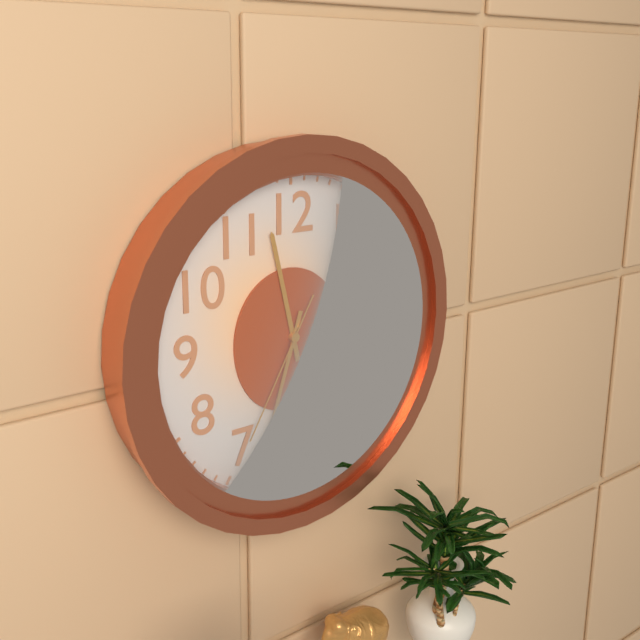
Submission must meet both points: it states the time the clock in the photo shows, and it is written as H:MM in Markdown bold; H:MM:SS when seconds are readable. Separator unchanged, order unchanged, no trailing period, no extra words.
**11:33:35**
